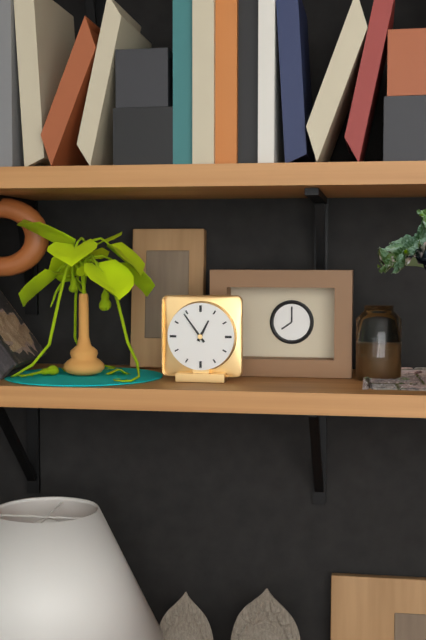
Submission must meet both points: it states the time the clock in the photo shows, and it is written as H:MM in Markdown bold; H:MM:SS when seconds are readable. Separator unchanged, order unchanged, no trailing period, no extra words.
**12:54**
